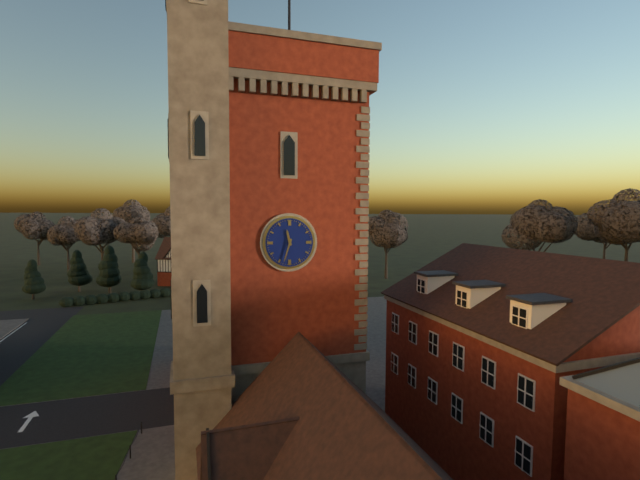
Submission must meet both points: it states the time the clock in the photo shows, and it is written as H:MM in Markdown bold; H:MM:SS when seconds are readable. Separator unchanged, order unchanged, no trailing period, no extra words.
**11:33**
